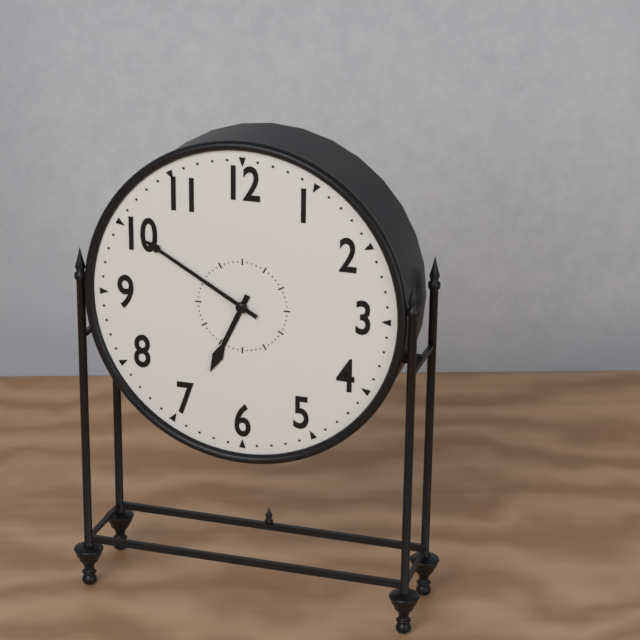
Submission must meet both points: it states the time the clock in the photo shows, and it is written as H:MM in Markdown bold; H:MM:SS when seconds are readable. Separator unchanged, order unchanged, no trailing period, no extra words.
**6:50**
